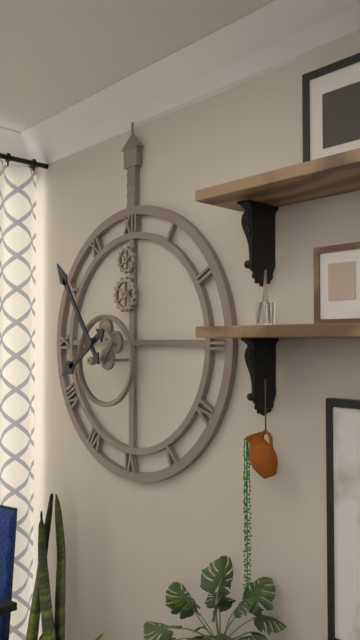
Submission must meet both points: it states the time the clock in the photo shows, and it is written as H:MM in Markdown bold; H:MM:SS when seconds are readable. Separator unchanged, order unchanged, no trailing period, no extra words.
**7:54**
